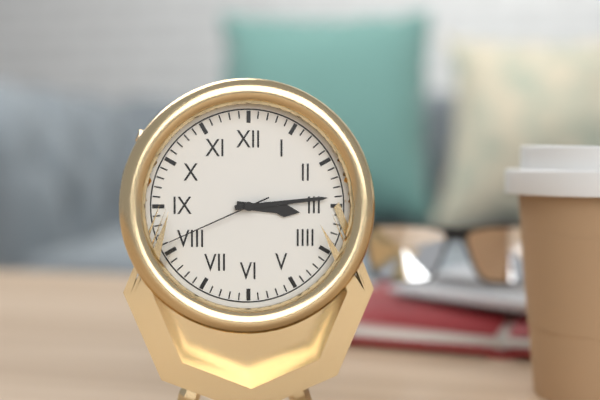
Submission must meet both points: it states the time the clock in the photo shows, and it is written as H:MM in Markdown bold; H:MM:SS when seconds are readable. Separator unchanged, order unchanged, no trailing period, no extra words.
**3:14:41**
